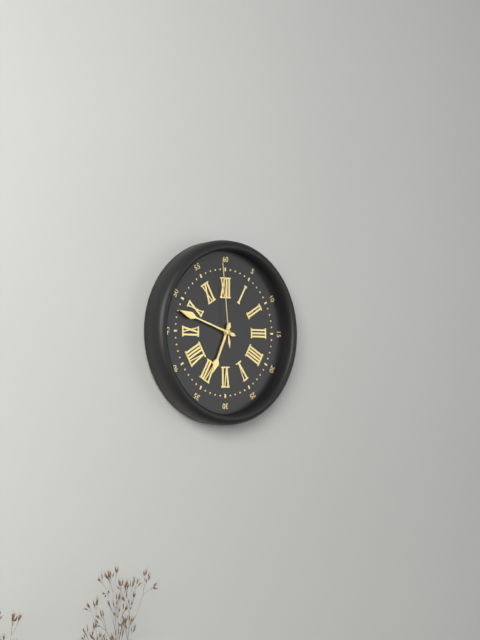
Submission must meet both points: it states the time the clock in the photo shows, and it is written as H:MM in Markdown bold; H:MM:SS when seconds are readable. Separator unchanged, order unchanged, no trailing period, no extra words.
**6:48:59**
